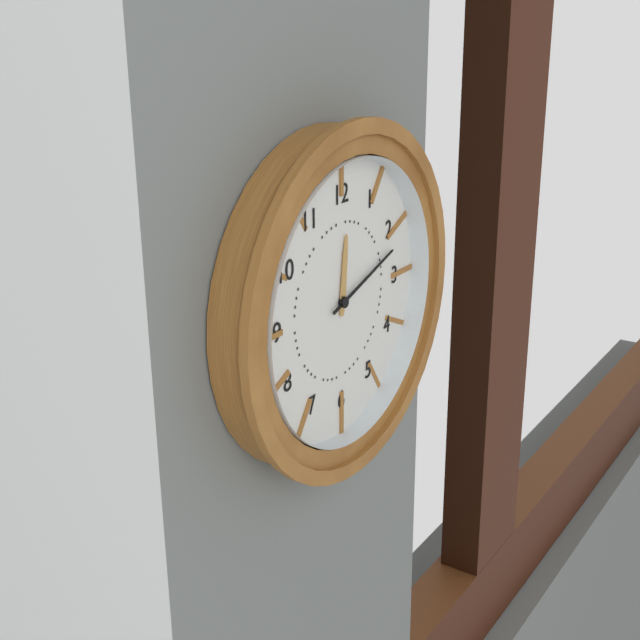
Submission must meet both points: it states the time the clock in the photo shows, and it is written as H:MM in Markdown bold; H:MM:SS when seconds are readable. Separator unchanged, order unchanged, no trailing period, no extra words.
**12:12**
